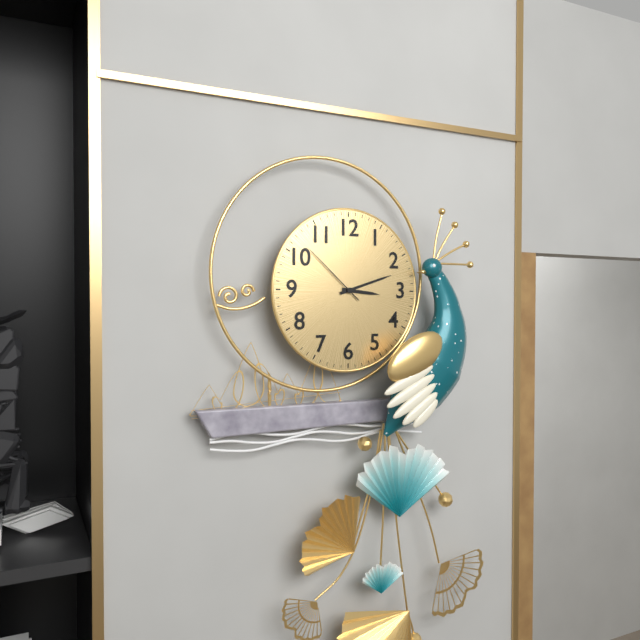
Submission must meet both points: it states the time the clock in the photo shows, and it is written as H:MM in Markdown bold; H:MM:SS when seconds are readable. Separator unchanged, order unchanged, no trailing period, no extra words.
**3:12:52**
